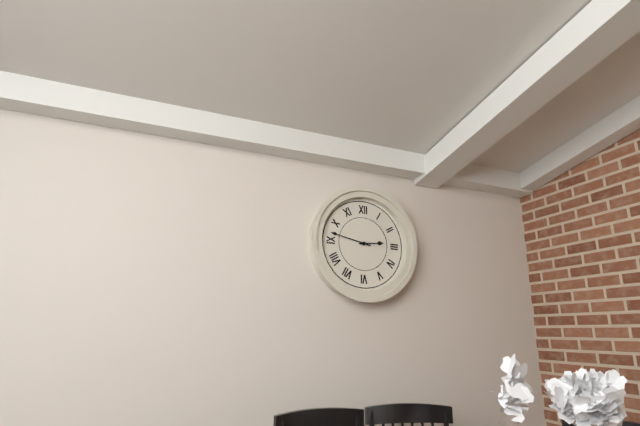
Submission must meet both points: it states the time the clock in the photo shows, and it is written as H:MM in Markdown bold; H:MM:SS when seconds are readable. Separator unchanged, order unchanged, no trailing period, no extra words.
**2:47**
